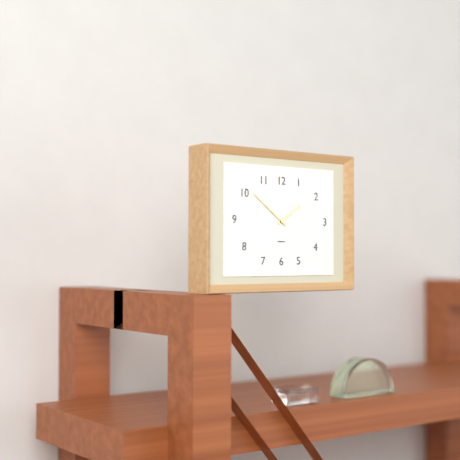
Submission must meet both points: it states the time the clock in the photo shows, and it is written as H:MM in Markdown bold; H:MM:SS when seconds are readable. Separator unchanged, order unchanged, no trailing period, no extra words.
**1:51**
